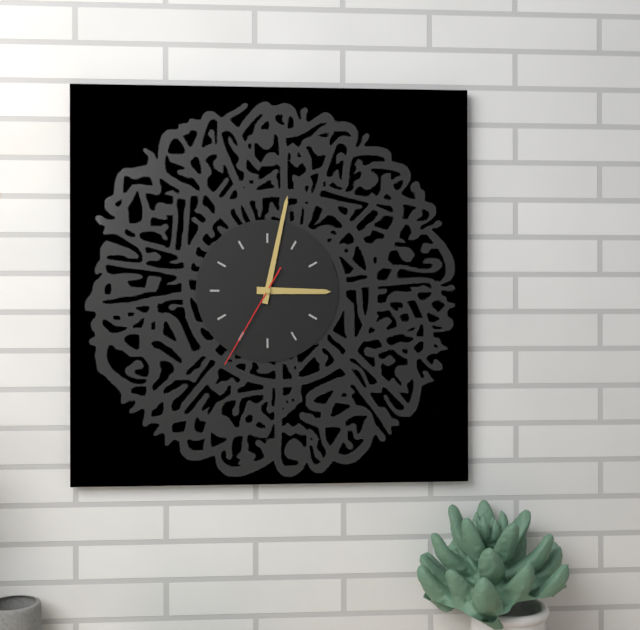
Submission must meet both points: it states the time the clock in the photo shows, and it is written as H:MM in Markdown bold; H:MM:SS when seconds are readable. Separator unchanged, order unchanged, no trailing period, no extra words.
**3:02:35**
